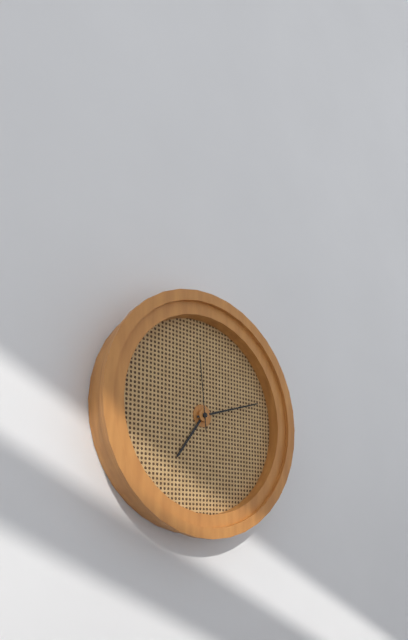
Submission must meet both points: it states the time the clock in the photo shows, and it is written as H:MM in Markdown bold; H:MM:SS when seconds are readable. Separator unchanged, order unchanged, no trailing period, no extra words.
**7:12:59**
